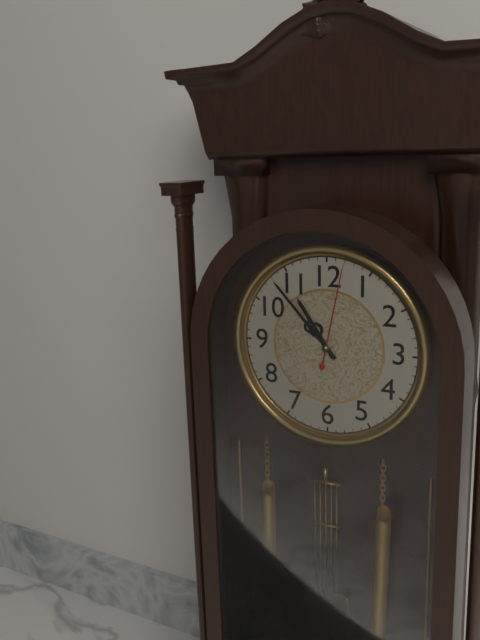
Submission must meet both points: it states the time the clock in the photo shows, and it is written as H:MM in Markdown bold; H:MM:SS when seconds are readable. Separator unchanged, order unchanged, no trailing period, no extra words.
**10:53:02**
